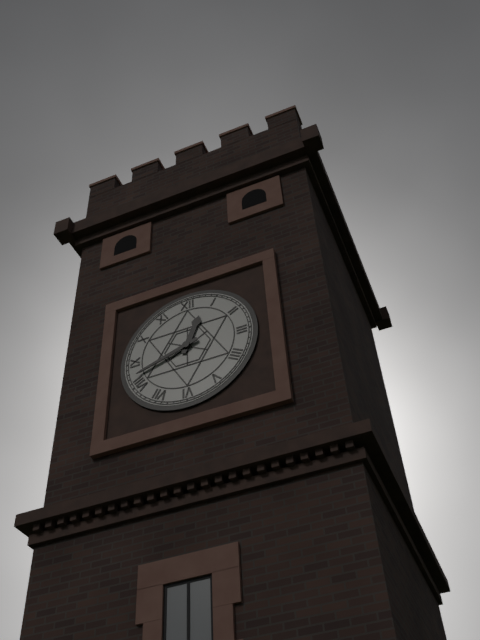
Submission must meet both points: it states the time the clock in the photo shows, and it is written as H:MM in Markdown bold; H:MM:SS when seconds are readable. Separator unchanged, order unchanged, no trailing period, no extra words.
**12:42**
